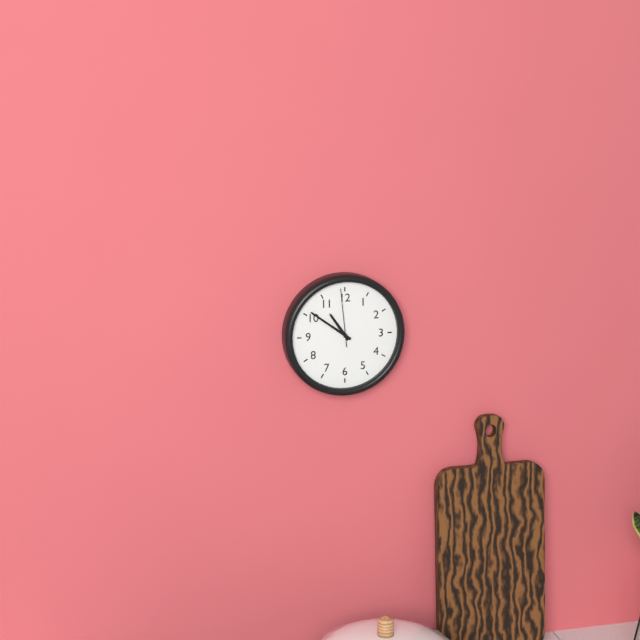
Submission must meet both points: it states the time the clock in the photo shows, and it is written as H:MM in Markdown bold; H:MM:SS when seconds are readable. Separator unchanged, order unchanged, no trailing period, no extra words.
**10:51:59**
